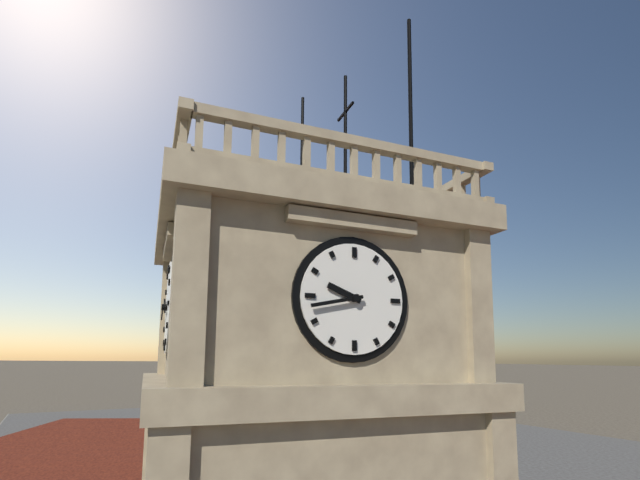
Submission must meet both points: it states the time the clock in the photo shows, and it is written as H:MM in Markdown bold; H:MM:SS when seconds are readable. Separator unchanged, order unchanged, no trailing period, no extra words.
**9:43**
